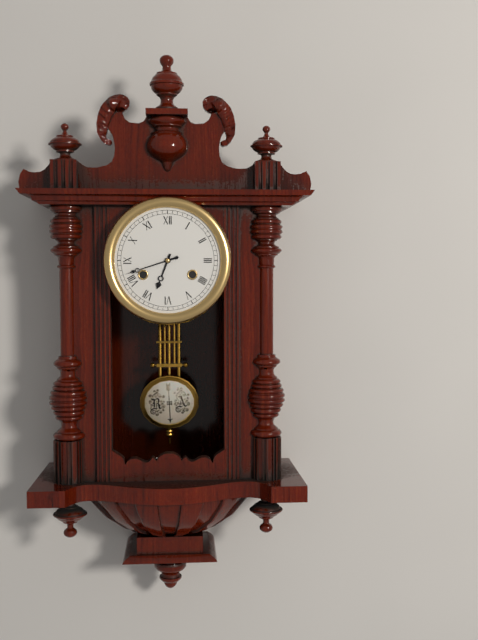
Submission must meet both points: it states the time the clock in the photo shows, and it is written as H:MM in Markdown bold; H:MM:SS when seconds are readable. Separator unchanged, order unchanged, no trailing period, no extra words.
**6:42**
